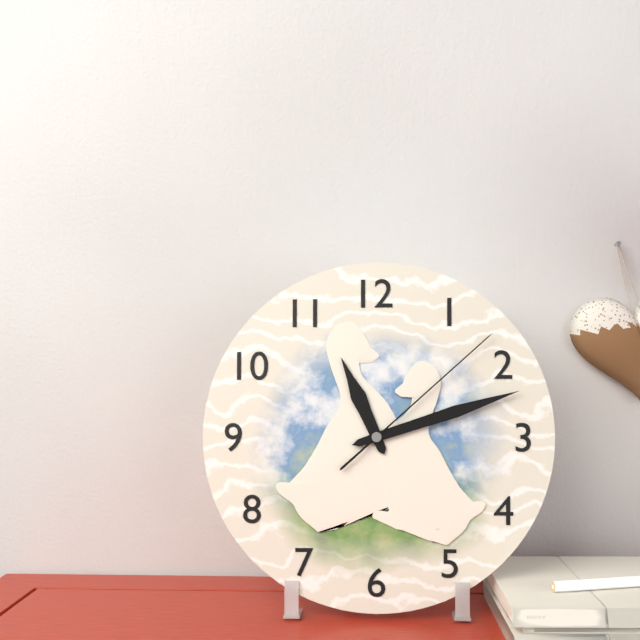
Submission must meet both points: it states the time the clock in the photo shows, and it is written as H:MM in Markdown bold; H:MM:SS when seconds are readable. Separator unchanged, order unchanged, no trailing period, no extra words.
**11:12:08**
